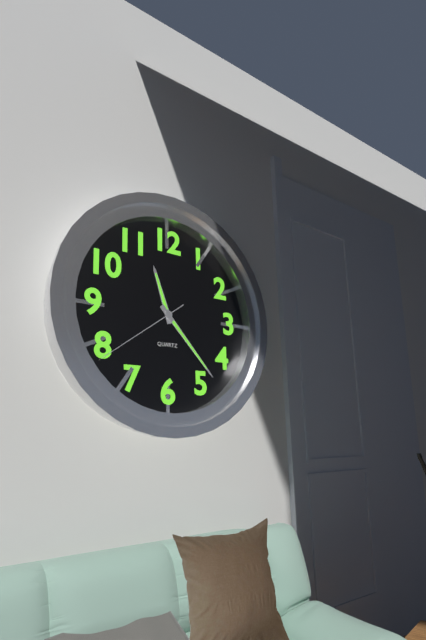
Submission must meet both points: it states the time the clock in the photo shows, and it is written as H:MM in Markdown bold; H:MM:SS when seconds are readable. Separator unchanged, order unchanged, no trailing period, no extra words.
**11:23:39**
